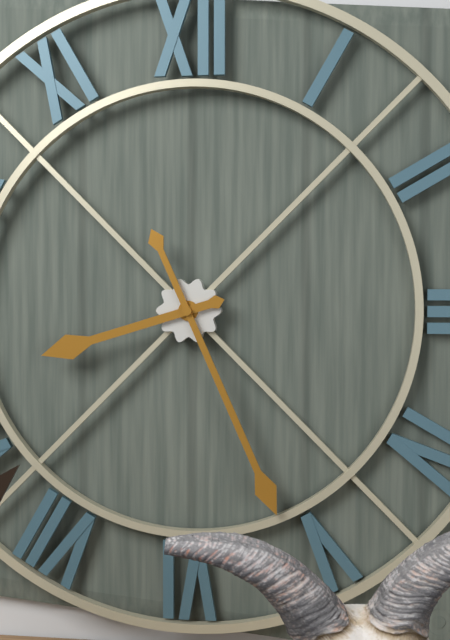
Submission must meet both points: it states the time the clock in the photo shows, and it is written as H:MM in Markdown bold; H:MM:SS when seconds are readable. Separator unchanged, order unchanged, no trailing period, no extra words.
**8:26**
